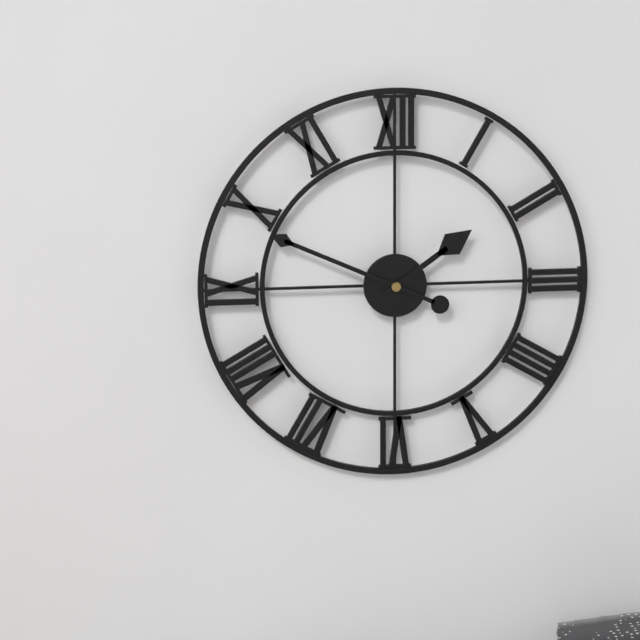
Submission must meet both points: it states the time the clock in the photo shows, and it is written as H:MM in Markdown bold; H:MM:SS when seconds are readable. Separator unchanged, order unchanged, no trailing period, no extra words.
**1:49**
